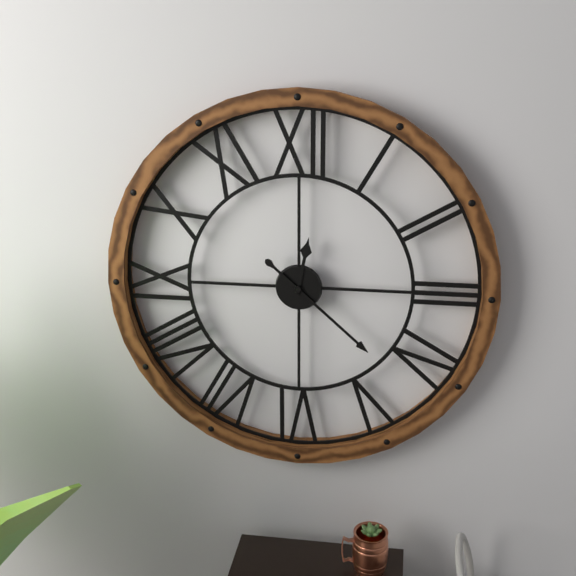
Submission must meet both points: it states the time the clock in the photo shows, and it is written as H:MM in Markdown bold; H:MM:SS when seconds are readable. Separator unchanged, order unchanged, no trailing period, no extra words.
**12:22**
